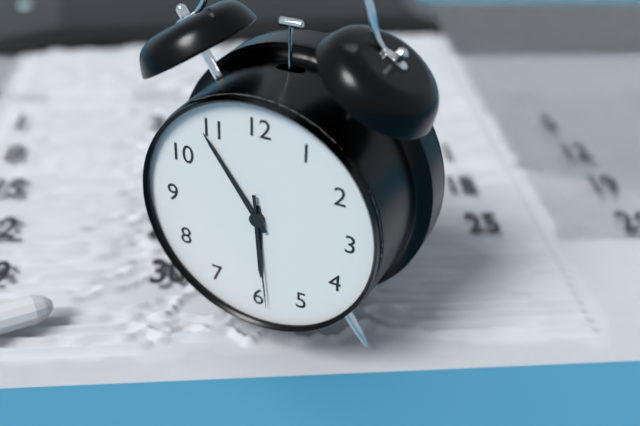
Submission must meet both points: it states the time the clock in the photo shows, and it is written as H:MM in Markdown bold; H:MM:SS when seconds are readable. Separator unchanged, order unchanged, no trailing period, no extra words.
**5:54:29**
